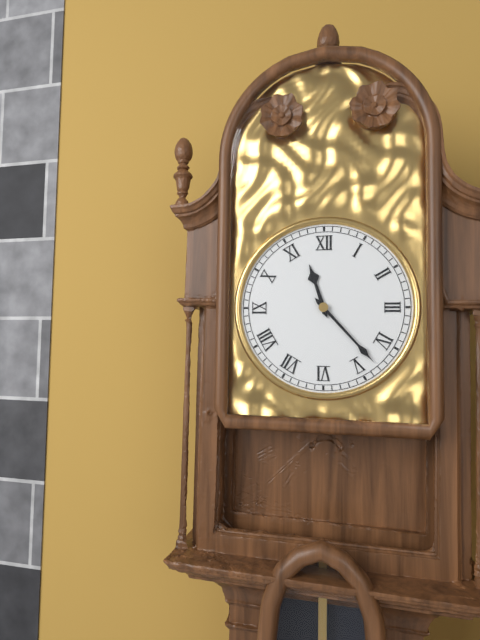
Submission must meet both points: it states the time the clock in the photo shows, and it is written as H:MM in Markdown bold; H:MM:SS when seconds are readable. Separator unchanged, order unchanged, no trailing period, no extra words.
**11:23**
